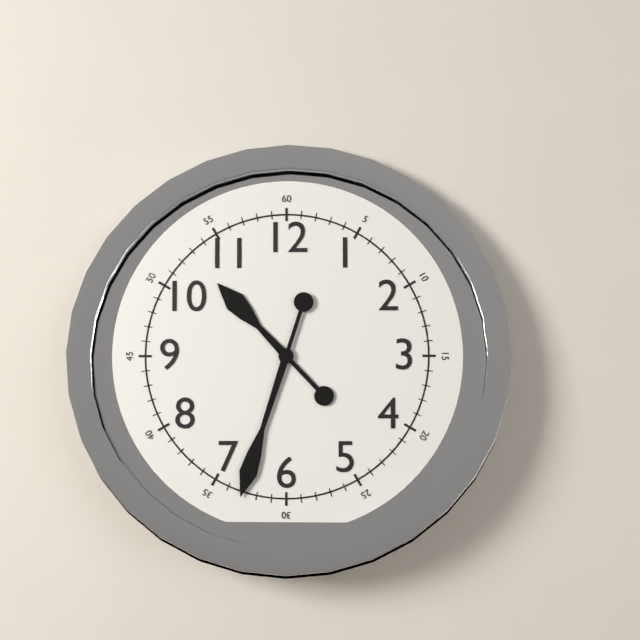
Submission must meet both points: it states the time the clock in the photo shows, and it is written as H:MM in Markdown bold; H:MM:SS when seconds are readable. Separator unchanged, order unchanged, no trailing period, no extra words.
**10:33**
